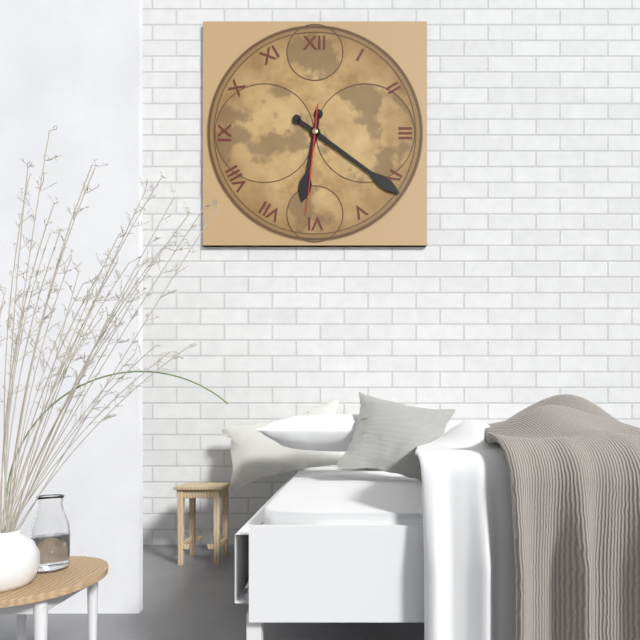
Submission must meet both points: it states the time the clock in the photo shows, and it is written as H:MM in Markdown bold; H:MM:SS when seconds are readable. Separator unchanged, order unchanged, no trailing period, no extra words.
**6:21:31**
